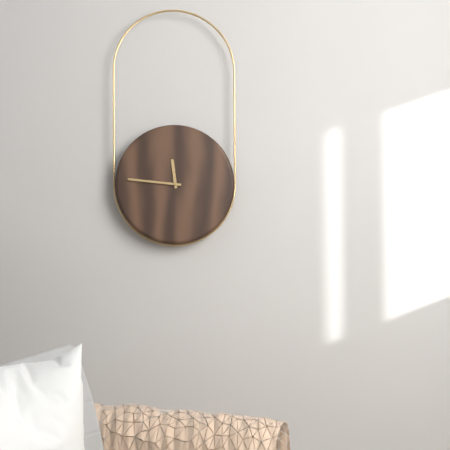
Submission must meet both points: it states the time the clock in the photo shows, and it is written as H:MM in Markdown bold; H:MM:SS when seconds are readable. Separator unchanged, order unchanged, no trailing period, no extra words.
**11:46**
